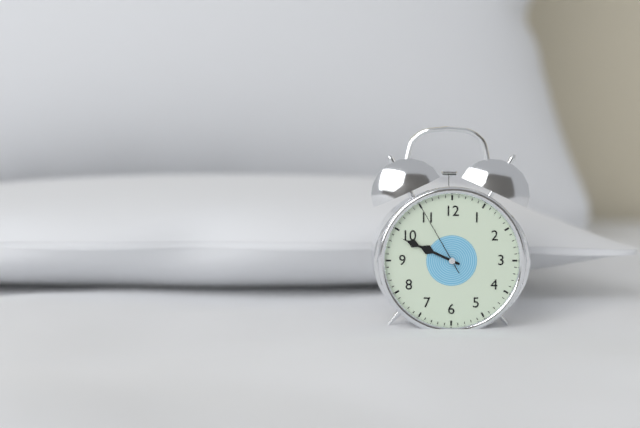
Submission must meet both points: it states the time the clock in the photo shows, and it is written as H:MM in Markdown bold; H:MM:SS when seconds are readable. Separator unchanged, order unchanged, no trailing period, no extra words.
**9:49:55**
